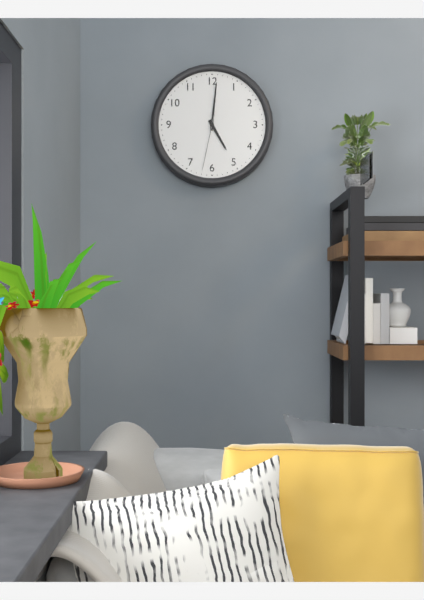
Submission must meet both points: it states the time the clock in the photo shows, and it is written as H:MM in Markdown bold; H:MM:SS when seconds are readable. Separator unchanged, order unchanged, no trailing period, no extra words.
**5:01:32**
